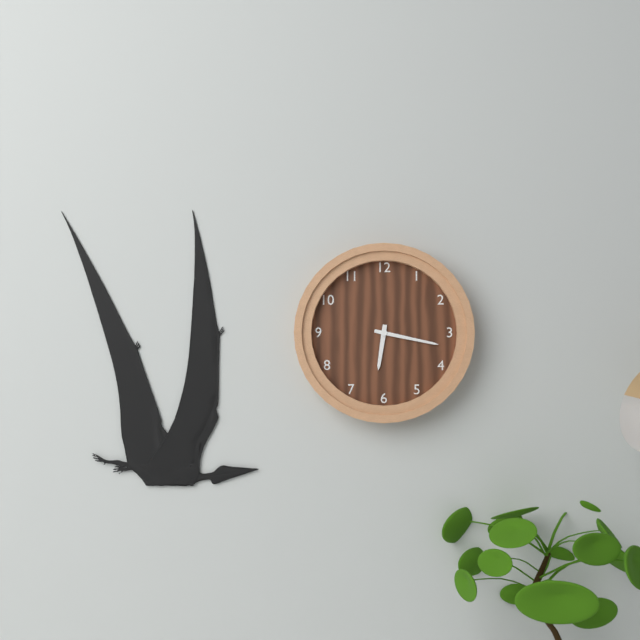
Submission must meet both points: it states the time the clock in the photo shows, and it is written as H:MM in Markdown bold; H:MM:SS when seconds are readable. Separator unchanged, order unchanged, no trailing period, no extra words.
**6:17**
